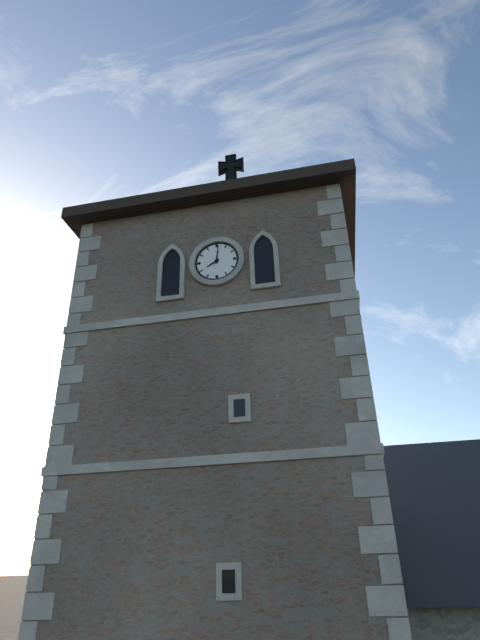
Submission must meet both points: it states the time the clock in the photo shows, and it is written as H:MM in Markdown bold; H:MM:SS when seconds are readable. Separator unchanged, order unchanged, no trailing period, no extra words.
**8:01**
